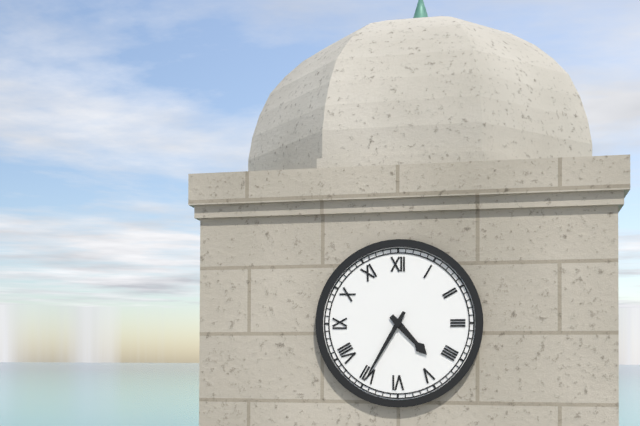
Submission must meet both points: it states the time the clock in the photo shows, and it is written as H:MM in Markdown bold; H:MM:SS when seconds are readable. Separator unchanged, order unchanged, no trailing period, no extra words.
**4:35**
